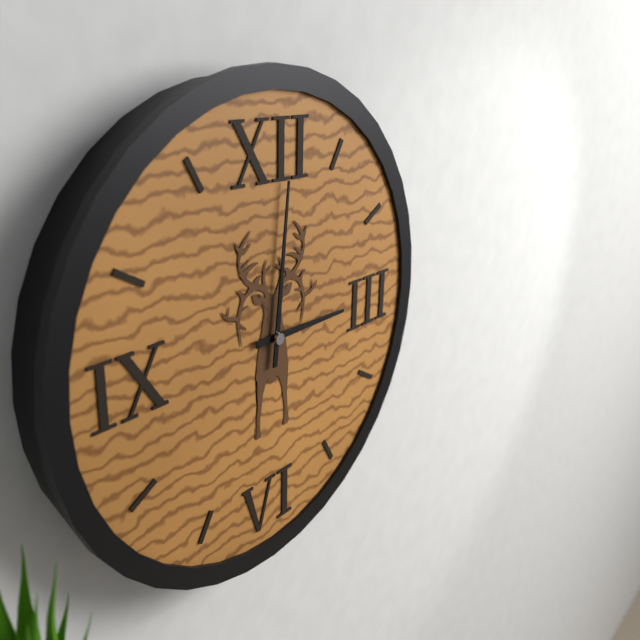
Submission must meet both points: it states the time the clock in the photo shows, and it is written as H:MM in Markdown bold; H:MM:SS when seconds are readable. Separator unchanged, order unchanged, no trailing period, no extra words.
**3:01**
